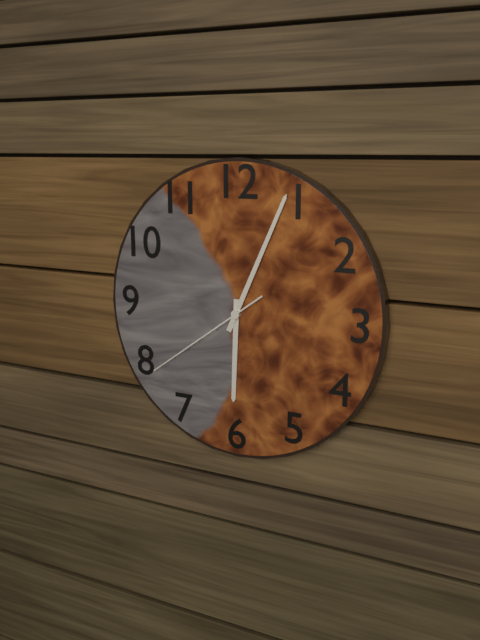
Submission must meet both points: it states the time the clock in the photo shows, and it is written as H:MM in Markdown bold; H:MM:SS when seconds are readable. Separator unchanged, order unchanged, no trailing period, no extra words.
**6:04:39**
